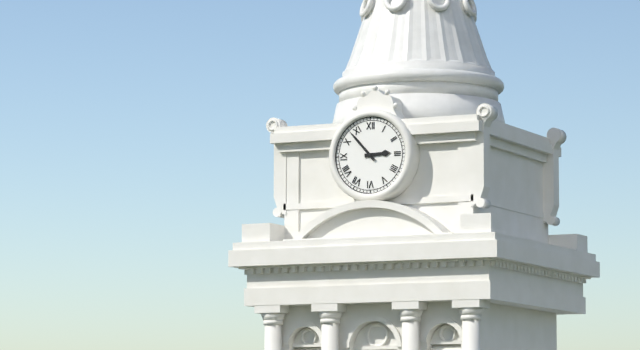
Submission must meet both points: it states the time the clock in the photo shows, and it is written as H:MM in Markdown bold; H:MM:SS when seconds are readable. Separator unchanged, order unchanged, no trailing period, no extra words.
**2:53**
